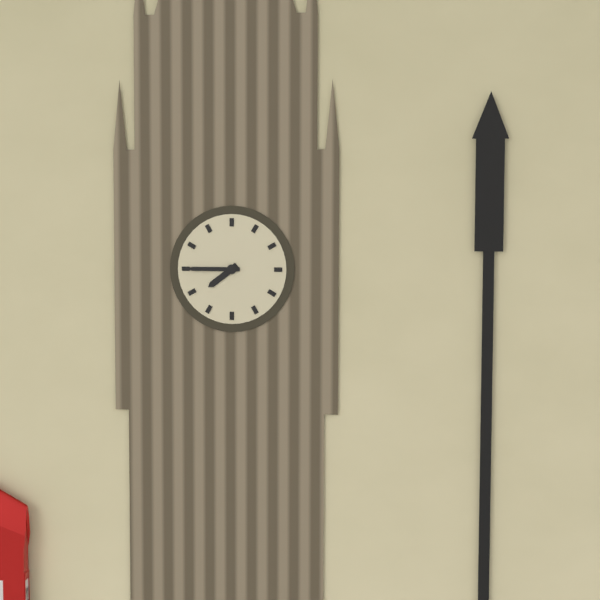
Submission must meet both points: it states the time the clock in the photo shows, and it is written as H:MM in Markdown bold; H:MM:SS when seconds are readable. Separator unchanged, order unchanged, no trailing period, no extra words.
**7:45**
